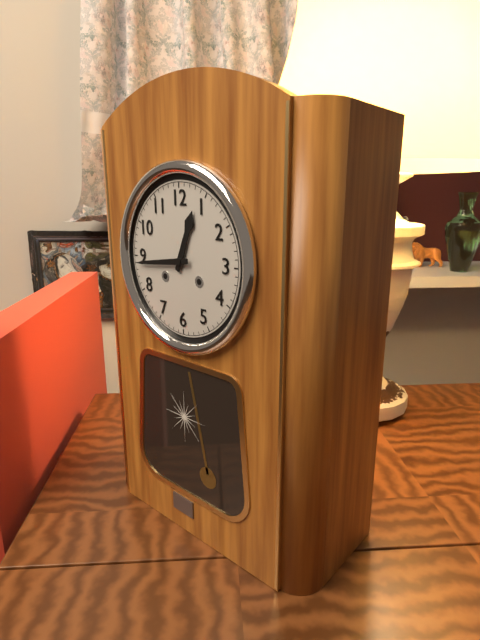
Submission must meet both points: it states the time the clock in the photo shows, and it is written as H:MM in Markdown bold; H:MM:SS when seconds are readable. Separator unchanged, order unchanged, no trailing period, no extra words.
**12:44**
